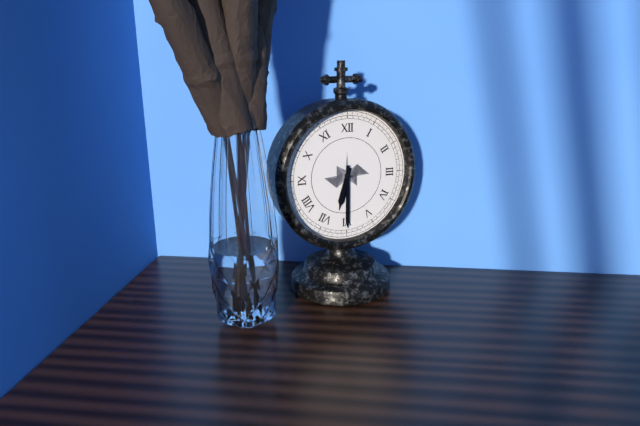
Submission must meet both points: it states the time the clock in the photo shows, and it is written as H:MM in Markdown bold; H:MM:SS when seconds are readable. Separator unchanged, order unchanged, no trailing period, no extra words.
**6:30**
